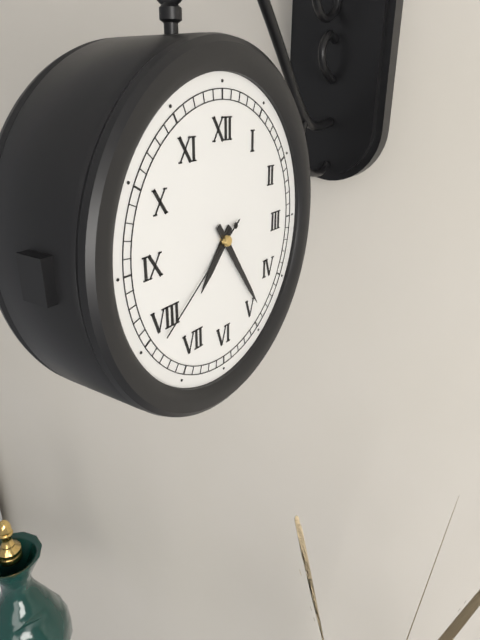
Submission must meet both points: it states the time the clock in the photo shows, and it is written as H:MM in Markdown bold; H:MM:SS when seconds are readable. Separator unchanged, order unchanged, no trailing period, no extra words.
**7:24:39**
